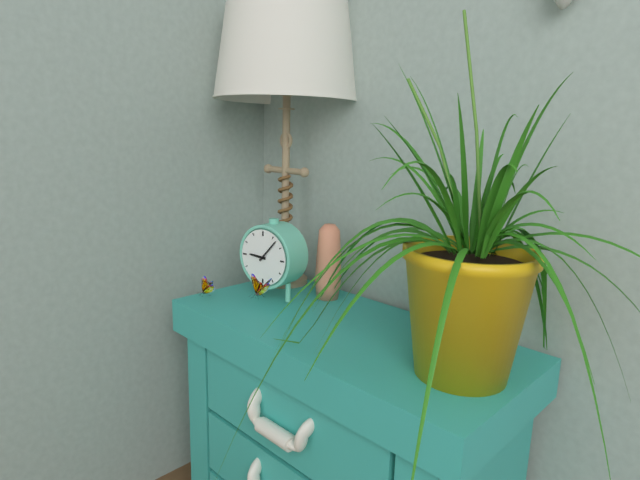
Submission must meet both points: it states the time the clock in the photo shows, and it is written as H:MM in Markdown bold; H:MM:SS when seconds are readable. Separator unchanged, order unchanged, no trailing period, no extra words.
**9:07**
